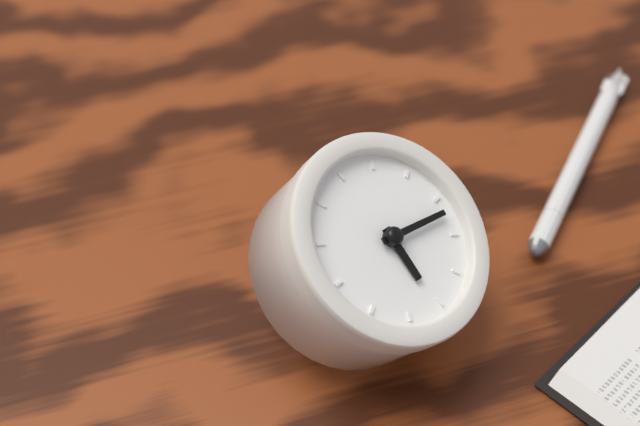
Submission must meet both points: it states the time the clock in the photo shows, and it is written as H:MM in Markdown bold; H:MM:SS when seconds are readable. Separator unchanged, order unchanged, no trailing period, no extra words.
**5:12**
